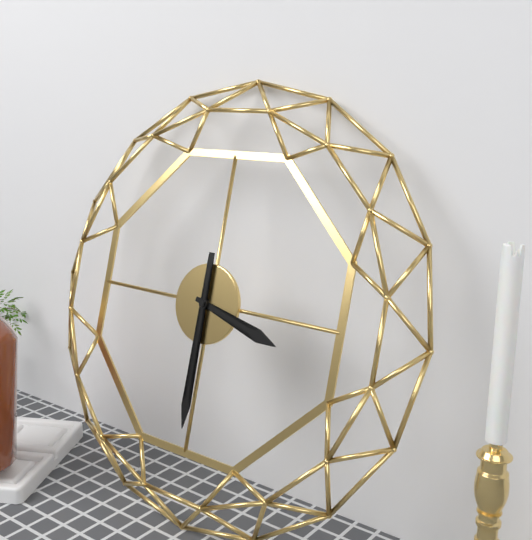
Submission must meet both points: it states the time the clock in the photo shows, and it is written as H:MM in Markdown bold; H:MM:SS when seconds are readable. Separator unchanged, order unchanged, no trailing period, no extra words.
**3:30**
